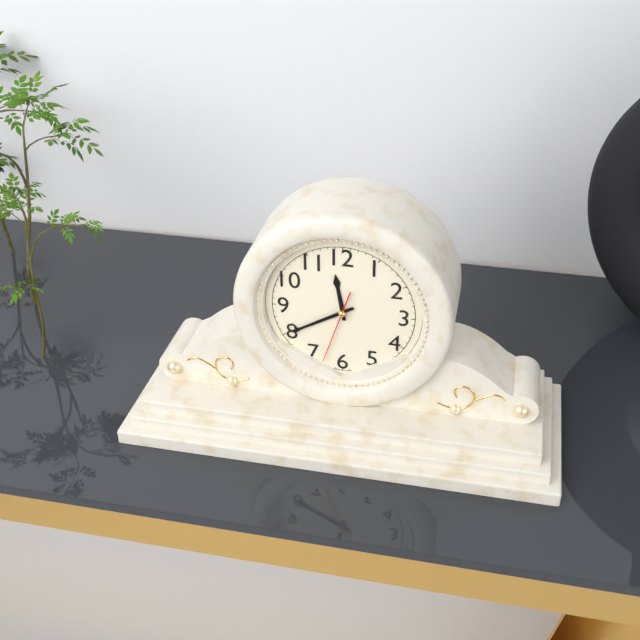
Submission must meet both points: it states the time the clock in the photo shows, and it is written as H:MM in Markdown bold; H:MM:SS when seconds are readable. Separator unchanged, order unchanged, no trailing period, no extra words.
**11:40:33**
